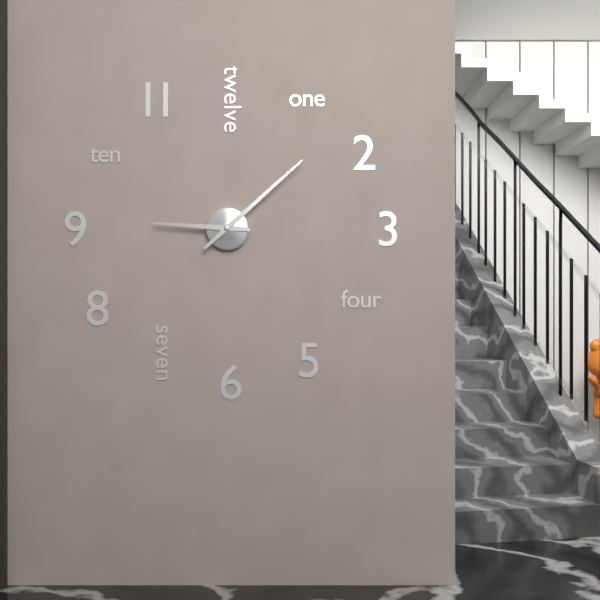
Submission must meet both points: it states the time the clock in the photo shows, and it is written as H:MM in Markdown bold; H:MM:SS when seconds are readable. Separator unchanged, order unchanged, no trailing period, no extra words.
**9:08**
